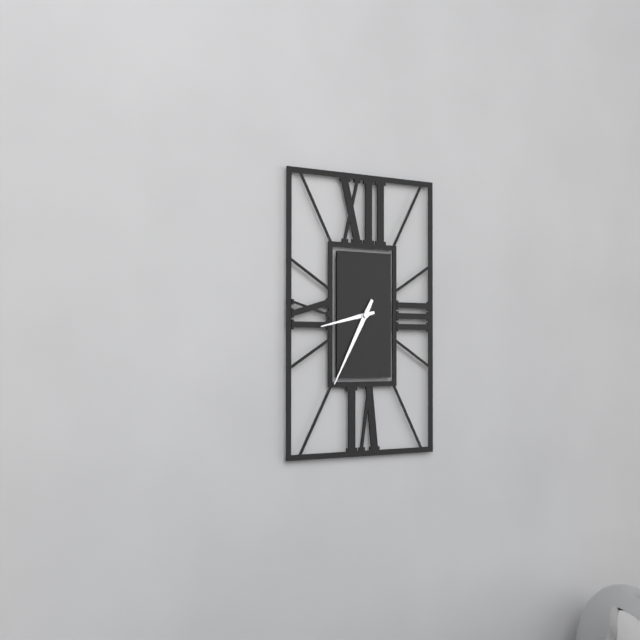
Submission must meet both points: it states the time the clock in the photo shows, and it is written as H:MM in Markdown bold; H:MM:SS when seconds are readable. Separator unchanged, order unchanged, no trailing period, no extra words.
**8:35**
